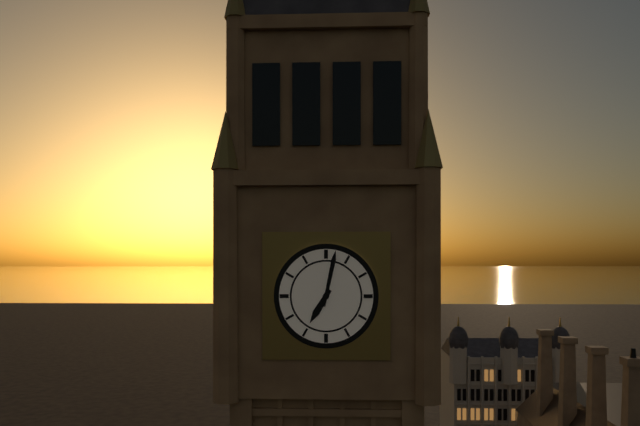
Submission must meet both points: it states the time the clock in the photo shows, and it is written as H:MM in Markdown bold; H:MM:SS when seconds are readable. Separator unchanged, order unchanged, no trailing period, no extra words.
**7:02**
